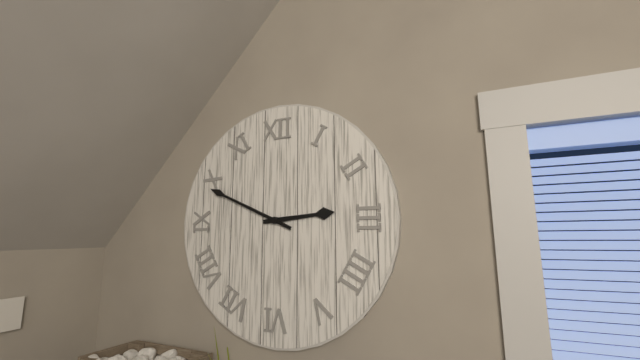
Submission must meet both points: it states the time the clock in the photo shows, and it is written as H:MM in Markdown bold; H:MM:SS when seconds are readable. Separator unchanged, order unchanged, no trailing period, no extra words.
**2:49**
